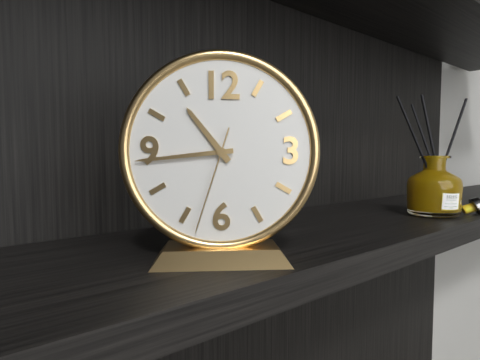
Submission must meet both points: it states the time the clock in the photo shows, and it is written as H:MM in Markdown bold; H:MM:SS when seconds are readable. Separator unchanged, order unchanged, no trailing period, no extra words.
**10:44:33**
